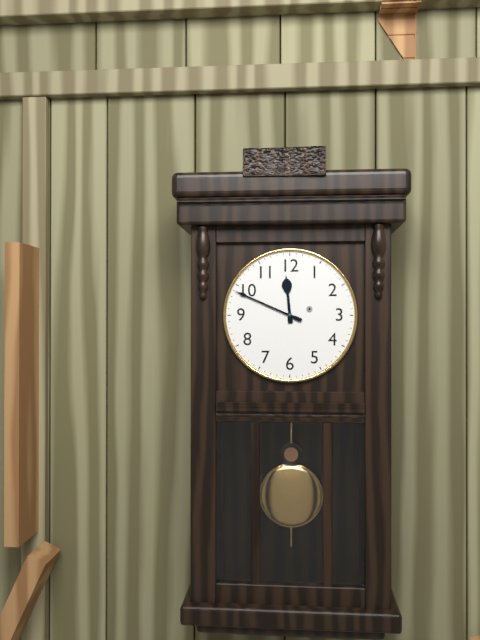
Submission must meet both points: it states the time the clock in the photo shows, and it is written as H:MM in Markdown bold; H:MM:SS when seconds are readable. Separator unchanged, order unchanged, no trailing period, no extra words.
**11:49**
